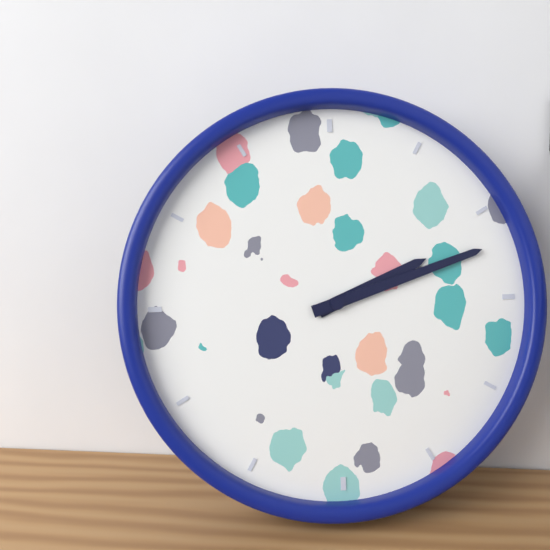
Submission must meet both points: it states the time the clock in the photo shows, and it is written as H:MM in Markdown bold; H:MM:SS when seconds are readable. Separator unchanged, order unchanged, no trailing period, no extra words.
**2:12**
